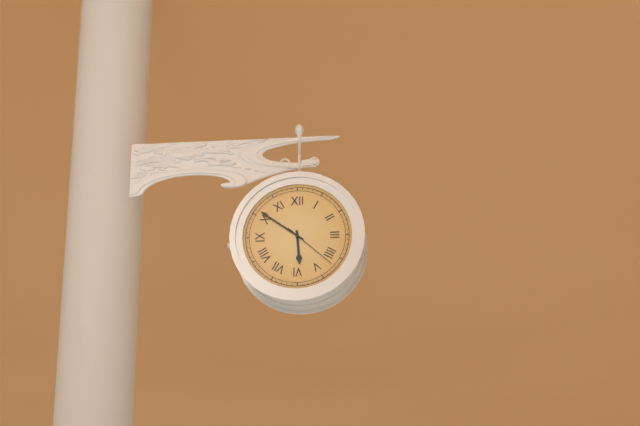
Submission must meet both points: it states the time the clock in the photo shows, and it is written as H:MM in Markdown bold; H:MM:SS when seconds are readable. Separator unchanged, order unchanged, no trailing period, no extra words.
**5:51:22**
